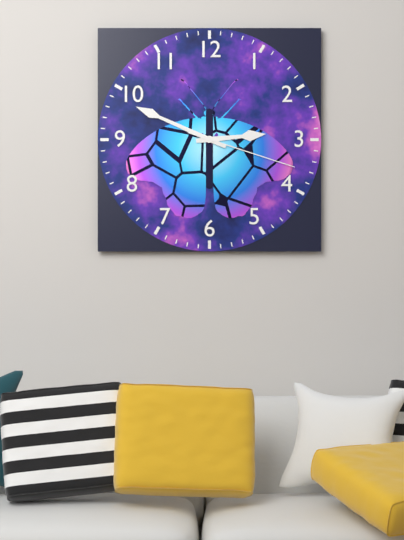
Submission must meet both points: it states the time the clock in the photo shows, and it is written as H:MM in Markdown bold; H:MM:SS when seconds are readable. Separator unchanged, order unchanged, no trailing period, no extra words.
**2:49:18**
